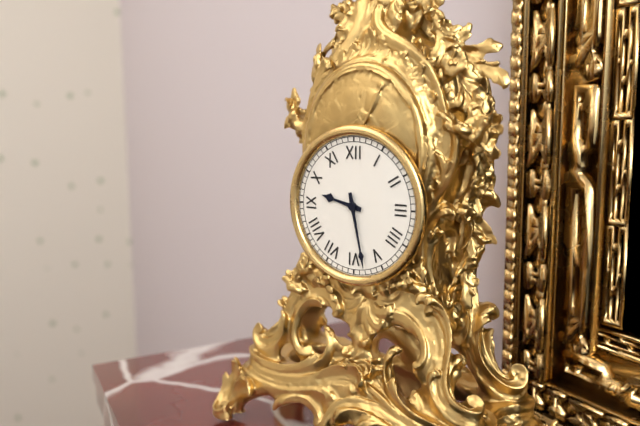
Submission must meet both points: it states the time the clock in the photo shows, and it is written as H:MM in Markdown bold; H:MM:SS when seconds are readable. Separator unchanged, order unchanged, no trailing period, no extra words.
**9:28**
